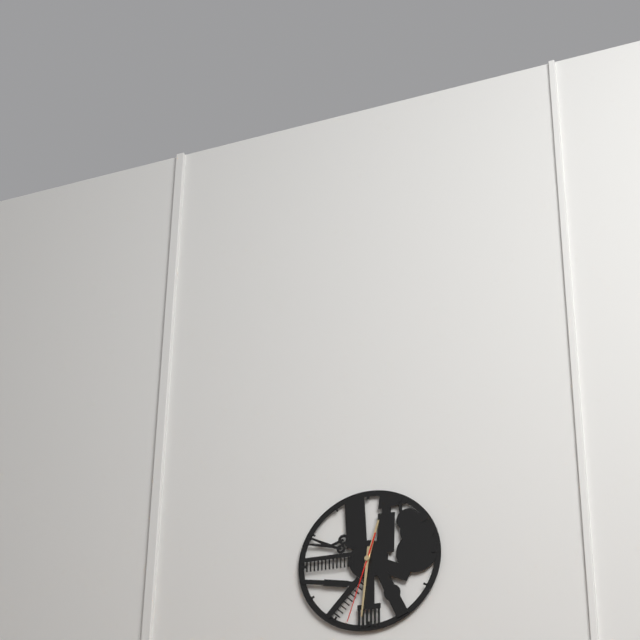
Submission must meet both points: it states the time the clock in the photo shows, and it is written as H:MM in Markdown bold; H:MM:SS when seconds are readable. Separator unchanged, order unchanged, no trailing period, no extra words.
**12:31:33**
